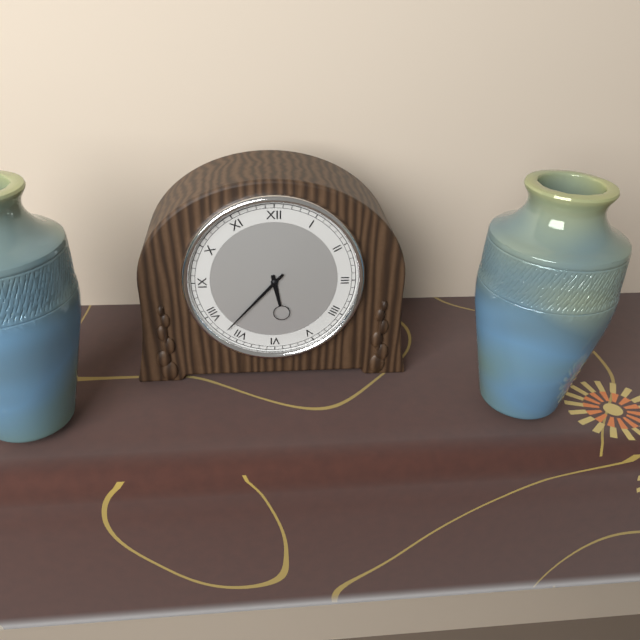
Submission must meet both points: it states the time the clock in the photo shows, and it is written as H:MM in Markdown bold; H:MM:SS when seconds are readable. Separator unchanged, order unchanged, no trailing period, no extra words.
**5:37**
